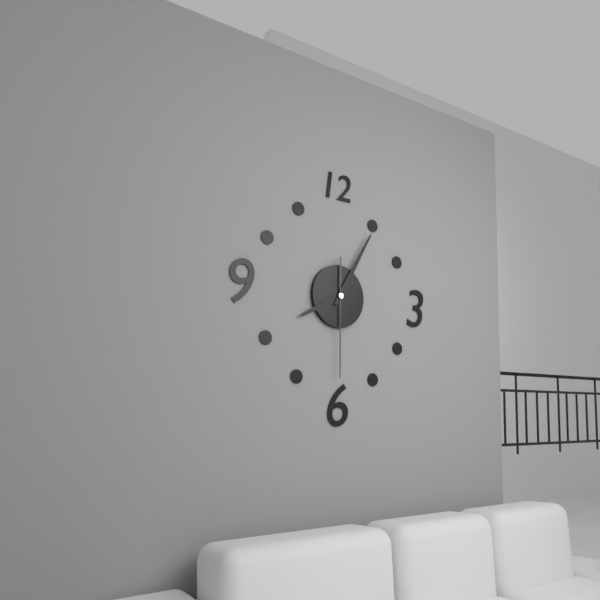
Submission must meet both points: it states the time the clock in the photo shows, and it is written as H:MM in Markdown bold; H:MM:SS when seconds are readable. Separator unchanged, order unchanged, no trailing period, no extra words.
**8:05:30**
